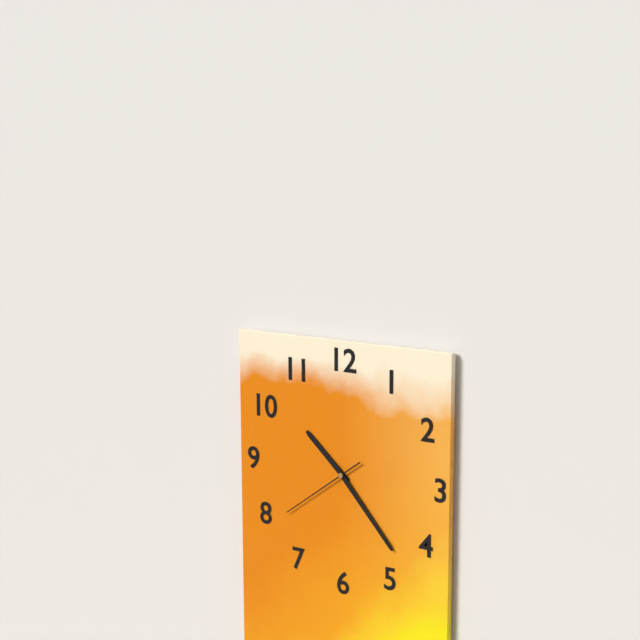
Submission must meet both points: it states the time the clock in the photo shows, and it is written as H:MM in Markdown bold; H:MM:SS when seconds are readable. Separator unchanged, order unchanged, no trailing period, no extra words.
**10:23:39**
